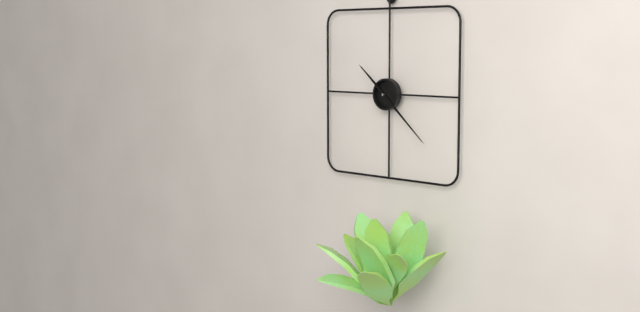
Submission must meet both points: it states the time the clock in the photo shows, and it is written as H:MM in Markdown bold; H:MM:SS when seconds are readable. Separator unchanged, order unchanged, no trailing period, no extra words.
**10:22**
